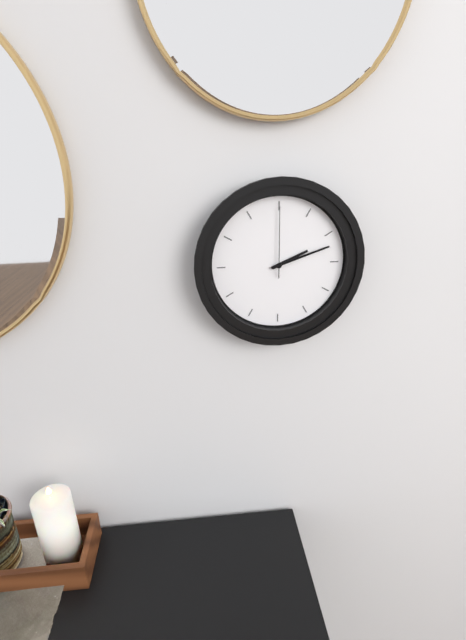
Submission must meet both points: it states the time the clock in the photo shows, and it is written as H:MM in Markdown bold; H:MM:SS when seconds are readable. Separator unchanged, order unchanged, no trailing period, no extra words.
**2:12:00**
